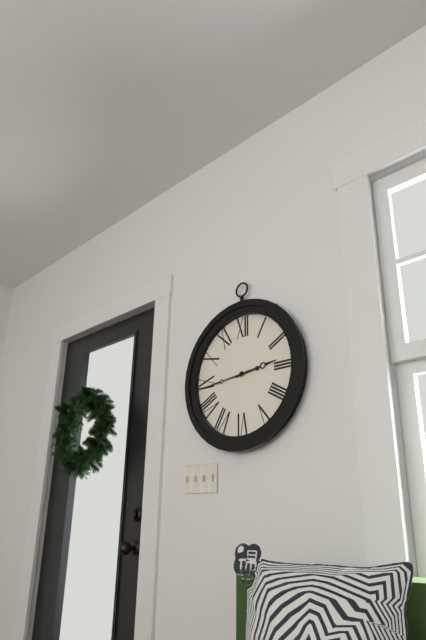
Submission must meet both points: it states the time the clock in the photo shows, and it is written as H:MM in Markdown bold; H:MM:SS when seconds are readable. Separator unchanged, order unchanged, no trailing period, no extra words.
**2:44**
